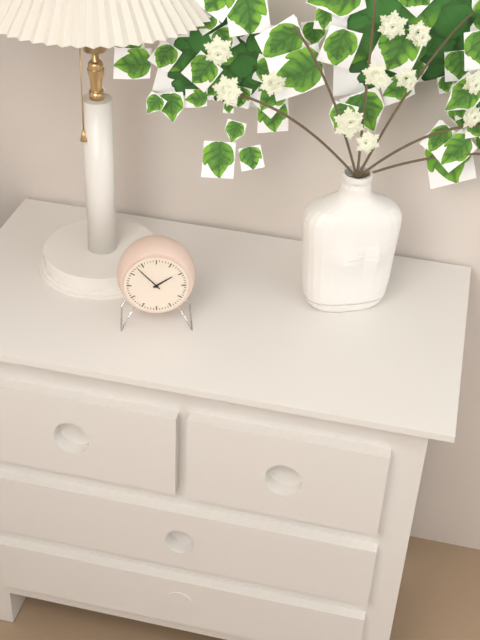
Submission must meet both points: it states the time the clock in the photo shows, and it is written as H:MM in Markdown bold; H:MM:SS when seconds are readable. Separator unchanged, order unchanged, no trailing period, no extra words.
**1:53**
